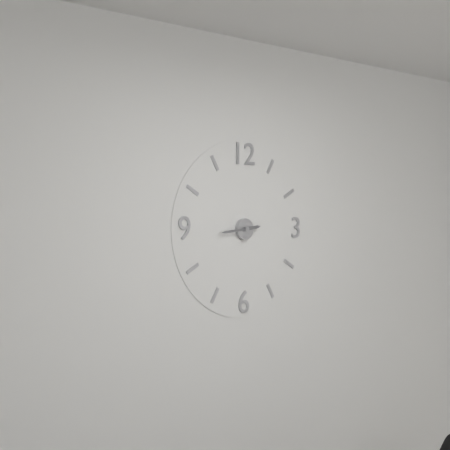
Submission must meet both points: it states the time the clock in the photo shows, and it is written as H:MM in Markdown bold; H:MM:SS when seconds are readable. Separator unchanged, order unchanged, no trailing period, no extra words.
**2:44**
